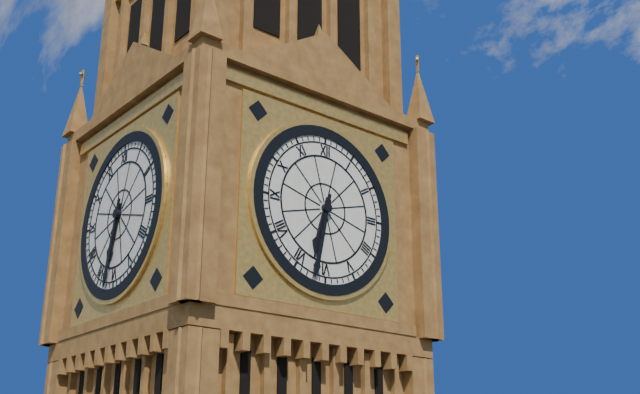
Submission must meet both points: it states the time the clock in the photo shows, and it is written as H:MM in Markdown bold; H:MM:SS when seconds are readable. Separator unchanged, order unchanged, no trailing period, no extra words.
**6:32**
